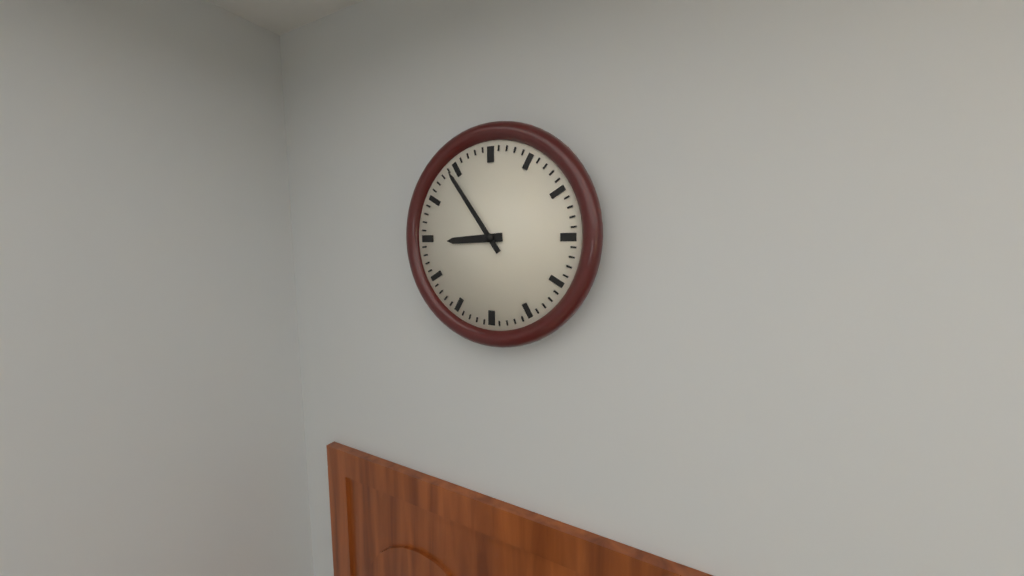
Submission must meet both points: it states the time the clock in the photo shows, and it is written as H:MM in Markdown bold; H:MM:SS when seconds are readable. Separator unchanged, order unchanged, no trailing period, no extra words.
**8:54**
